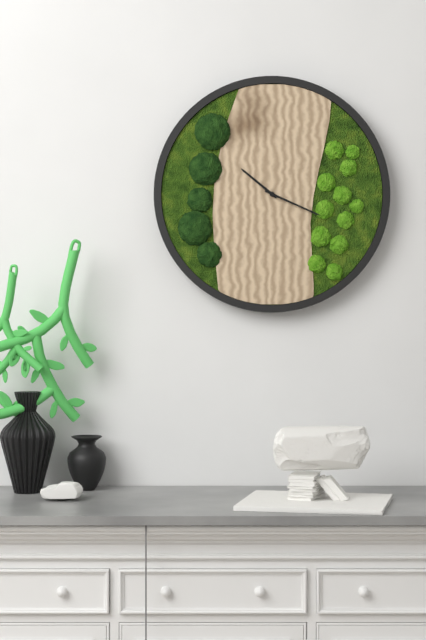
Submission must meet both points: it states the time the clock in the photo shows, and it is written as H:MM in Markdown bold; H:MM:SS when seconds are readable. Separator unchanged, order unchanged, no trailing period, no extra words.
**10:19**
